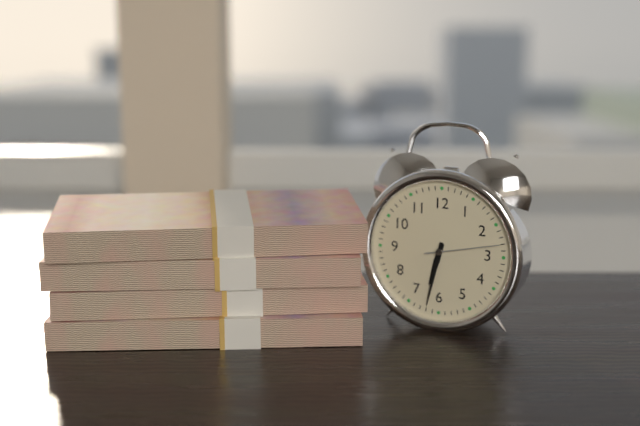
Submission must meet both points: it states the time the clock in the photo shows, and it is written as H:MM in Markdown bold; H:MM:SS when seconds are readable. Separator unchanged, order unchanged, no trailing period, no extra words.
**6:32:13**
